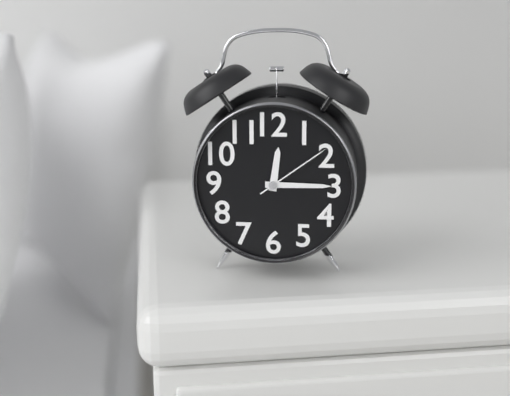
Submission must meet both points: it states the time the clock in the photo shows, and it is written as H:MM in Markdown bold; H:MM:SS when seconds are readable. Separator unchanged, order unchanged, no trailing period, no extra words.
**12:15:09**
